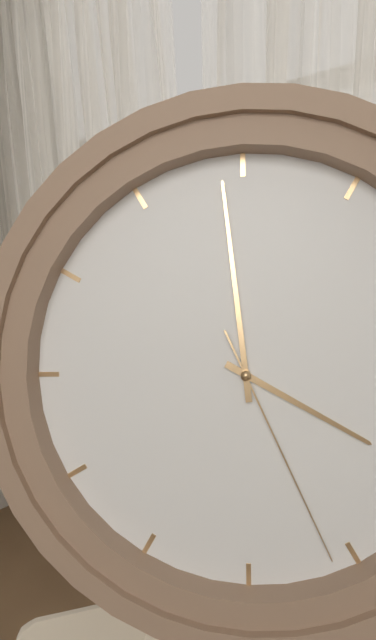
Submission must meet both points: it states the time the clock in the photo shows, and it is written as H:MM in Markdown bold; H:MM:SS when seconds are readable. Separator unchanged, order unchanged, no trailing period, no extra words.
**3:59:26**
